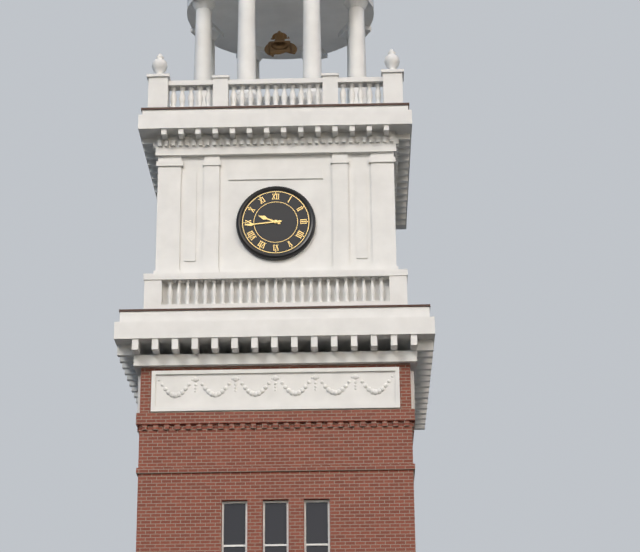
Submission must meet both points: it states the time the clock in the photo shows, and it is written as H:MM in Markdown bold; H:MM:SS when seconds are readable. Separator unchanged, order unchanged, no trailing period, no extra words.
**9:44**
